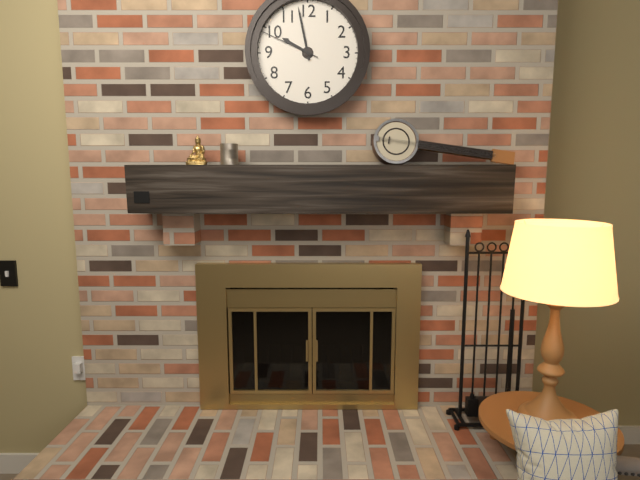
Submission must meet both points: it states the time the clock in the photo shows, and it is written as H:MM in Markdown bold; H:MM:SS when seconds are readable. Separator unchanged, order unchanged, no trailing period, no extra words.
**9:58:49**
